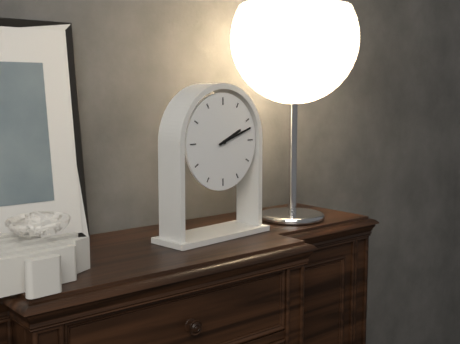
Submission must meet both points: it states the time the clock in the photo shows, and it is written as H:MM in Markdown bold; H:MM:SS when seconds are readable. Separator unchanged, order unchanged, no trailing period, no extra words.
**2:12**
